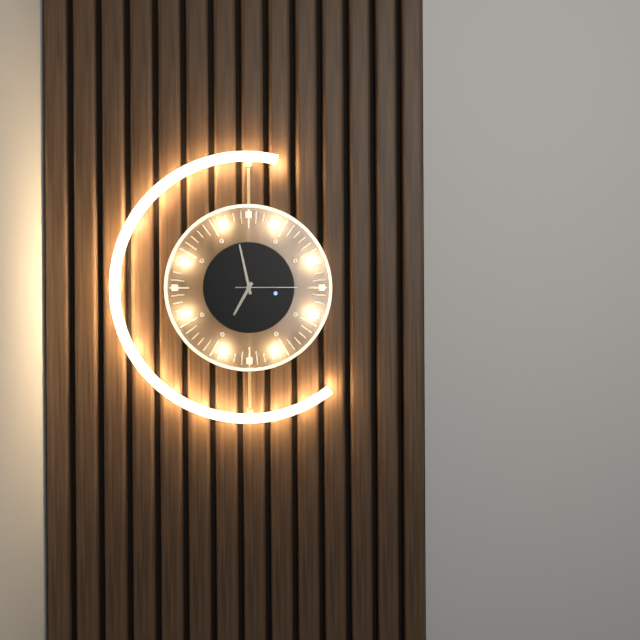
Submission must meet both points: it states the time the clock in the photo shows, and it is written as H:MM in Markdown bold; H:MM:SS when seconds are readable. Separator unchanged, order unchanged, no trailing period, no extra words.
**6:58:15**
